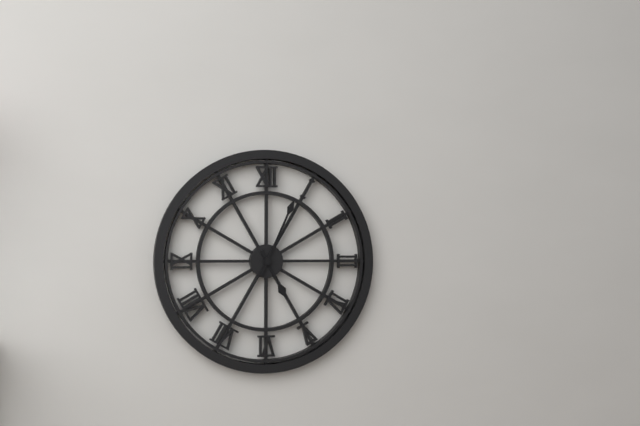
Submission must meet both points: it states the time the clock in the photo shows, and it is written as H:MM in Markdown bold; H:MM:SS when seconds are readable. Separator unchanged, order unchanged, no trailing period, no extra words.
**5:04**
